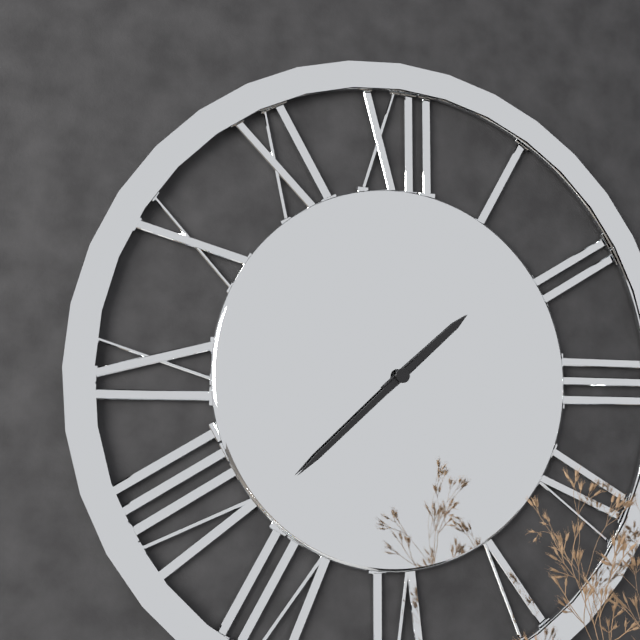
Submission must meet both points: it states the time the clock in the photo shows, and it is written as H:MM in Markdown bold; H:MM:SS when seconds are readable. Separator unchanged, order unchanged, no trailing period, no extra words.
**1:38**
